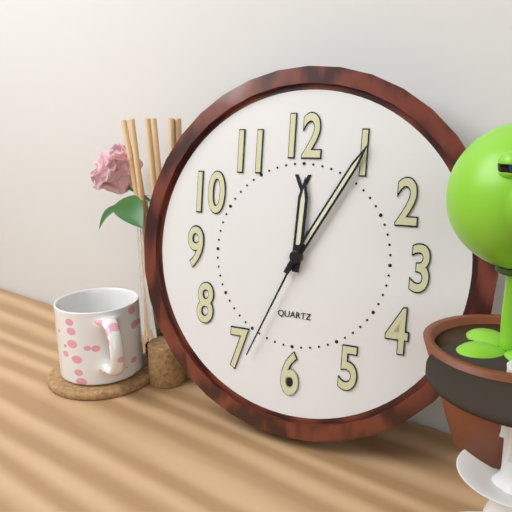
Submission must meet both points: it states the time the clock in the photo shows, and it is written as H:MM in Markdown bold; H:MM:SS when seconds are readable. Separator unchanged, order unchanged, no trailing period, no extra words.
**12:05:34**
